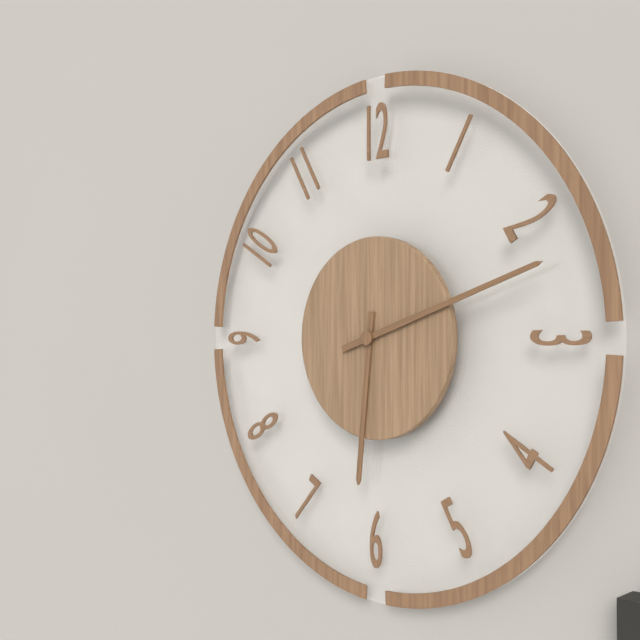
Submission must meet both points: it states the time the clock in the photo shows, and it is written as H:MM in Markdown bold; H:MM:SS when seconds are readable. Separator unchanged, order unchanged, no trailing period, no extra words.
**6:12**
